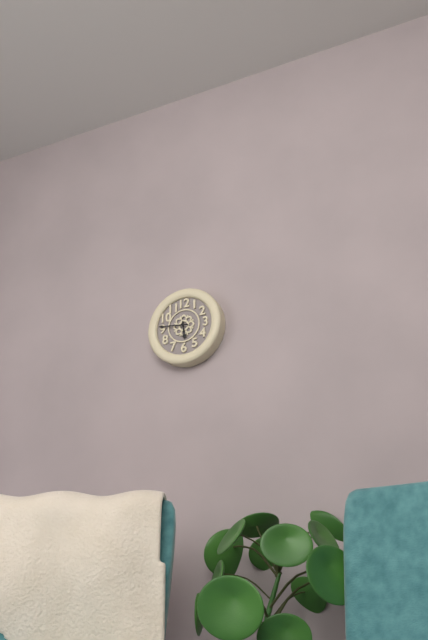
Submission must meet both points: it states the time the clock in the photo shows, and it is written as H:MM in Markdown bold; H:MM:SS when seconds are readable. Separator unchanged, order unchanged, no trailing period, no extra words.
**5:46**
